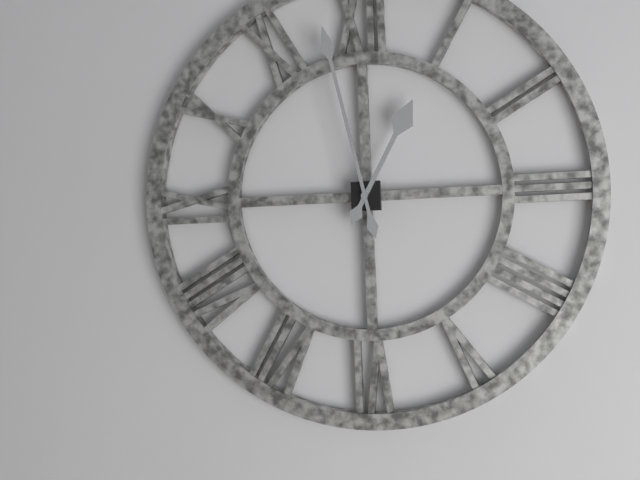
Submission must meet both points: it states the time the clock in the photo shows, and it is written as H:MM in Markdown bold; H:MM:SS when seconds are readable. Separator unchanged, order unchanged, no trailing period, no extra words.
**12:58**
